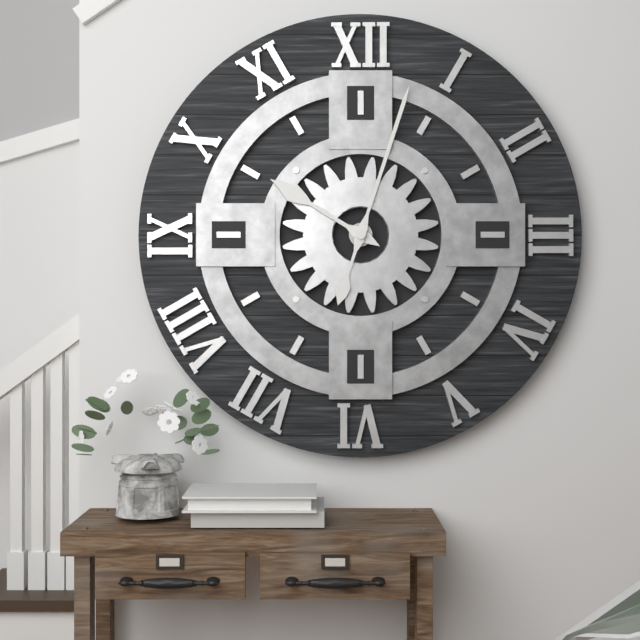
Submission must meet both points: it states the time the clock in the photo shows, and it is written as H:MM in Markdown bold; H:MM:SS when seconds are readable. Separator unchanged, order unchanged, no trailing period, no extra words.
**10:03**
